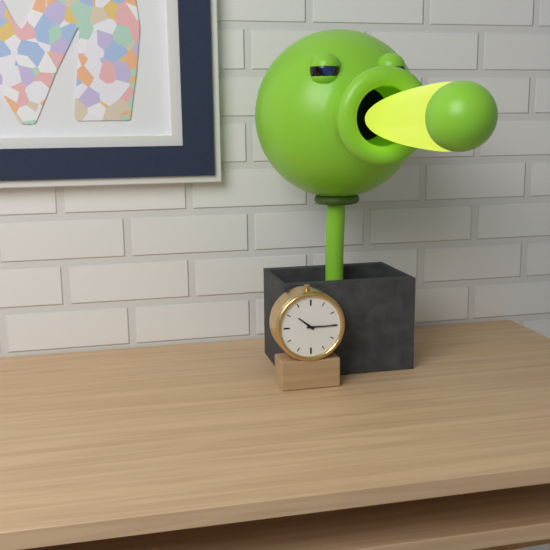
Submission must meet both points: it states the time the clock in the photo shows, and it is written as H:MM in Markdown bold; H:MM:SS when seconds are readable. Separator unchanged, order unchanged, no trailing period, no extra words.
**10:15**
